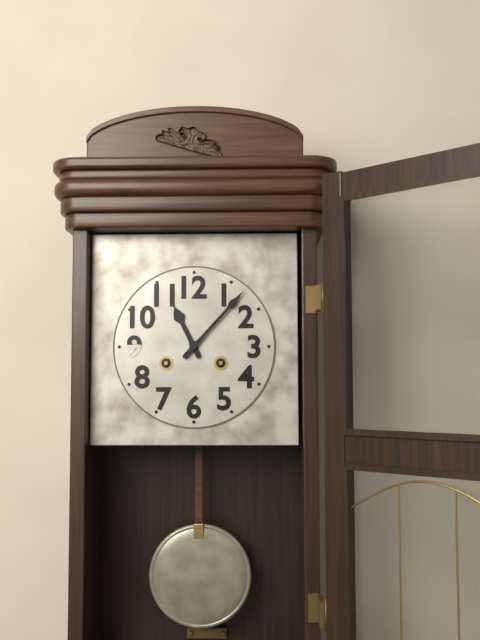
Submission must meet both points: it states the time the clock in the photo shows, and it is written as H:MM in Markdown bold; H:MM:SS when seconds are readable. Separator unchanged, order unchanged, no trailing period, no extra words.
**11:07**
